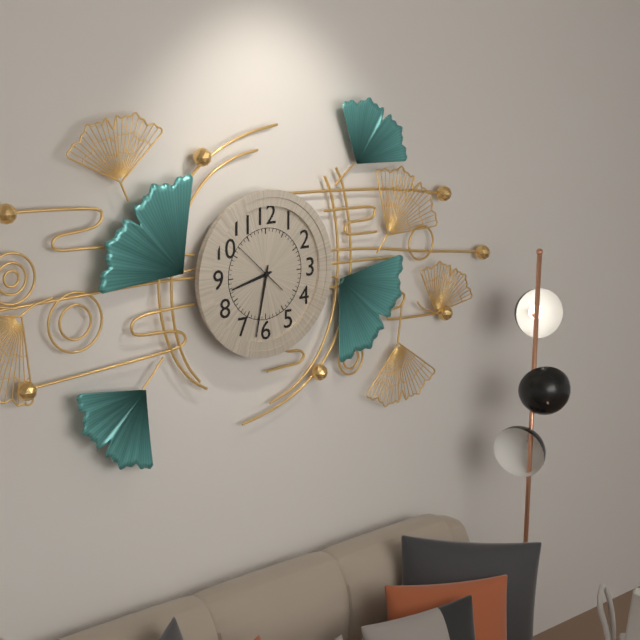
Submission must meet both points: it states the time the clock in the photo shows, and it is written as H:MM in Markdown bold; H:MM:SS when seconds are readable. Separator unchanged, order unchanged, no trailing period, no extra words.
**8:32**
